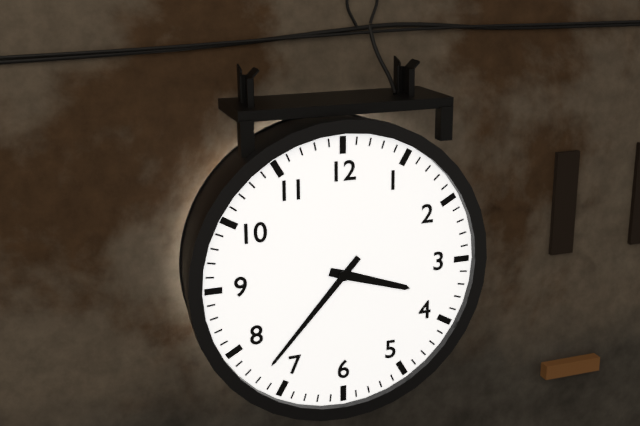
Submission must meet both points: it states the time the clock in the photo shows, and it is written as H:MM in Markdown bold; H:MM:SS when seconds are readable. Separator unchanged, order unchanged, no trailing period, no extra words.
**3:37**
